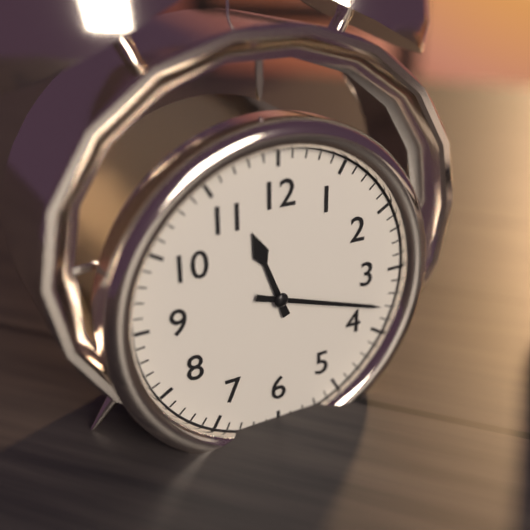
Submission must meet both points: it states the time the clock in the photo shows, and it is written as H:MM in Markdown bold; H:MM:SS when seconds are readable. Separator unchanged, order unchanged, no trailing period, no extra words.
**11:18**
